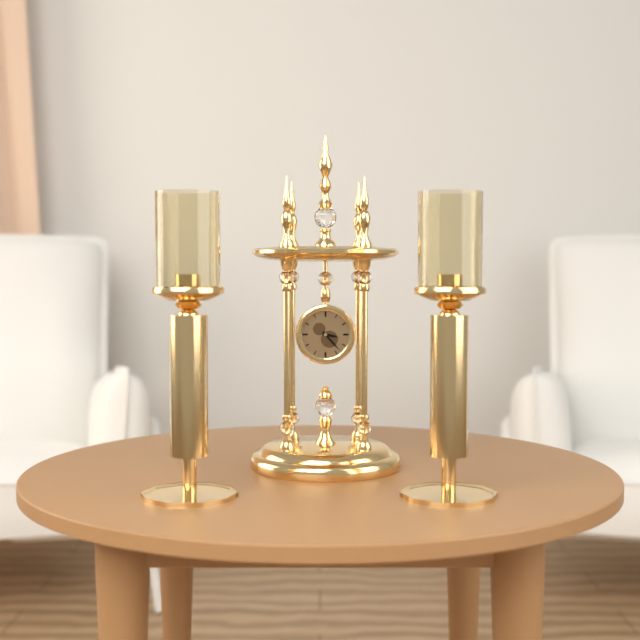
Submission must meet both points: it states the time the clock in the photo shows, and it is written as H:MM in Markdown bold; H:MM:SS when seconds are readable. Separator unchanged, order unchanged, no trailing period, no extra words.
**3:23**
